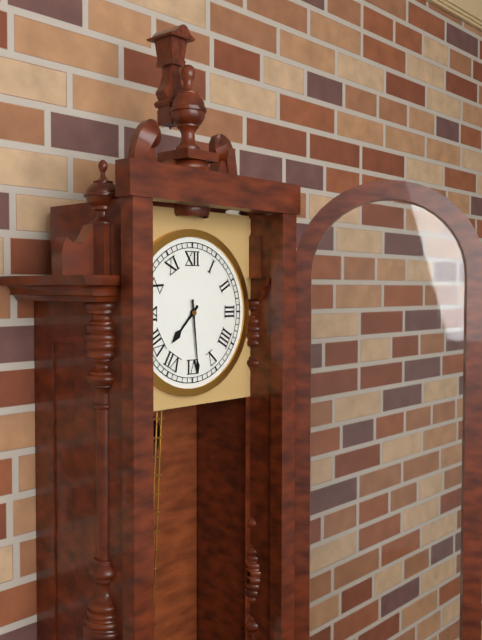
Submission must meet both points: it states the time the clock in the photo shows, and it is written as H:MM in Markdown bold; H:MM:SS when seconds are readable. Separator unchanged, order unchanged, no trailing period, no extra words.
**7:29**
